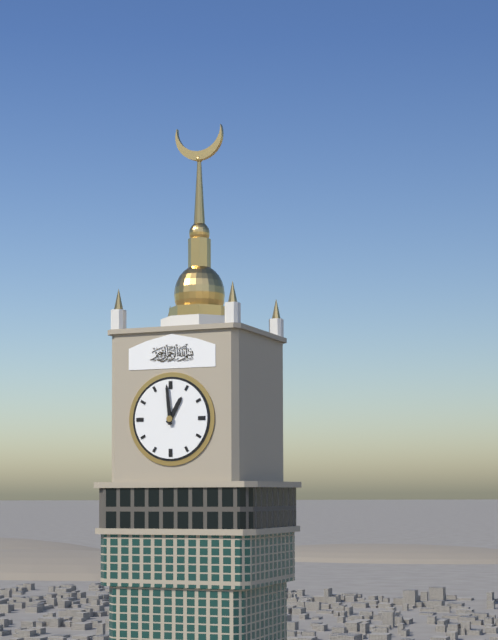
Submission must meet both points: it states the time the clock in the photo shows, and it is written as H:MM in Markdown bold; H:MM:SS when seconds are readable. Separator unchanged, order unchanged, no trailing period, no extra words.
**12:59**
